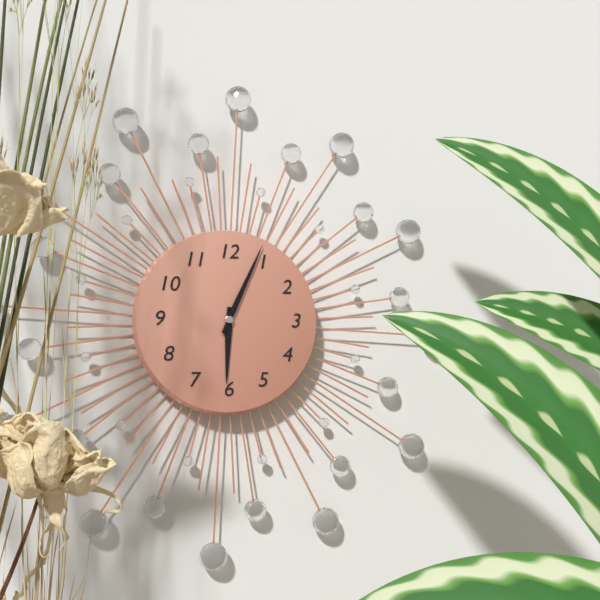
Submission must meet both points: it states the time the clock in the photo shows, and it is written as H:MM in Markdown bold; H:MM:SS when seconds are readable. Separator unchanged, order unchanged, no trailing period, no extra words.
**6:04**
